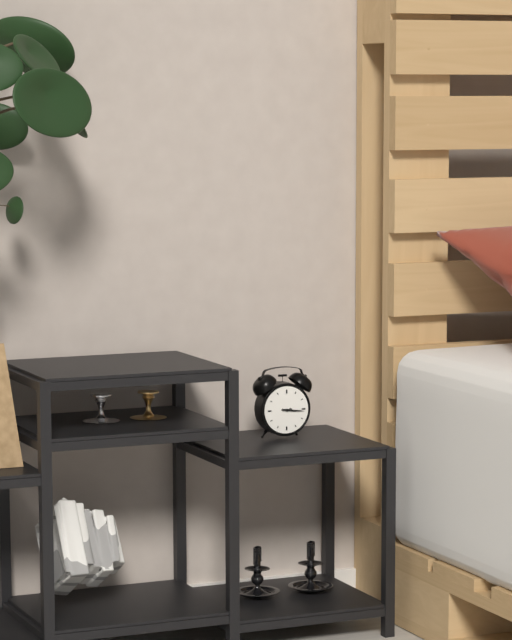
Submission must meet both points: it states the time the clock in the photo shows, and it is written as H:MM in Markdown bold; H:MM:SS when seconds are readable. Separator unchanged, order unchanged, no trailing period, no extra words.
**3:16**
